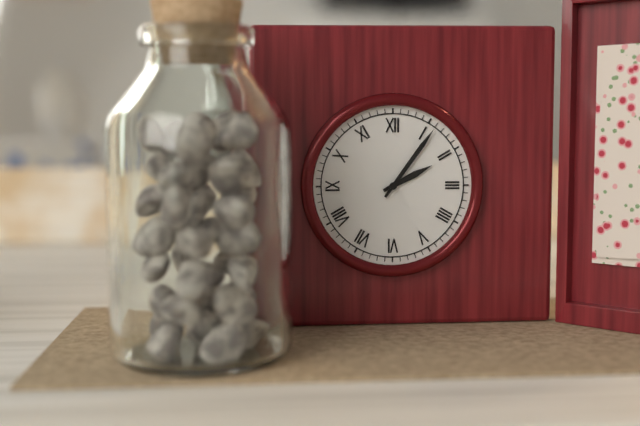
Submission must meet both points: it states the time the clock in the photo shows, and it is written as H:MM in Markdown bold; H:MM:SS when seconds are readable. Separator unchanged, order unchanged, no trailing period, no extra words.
**2:06**
